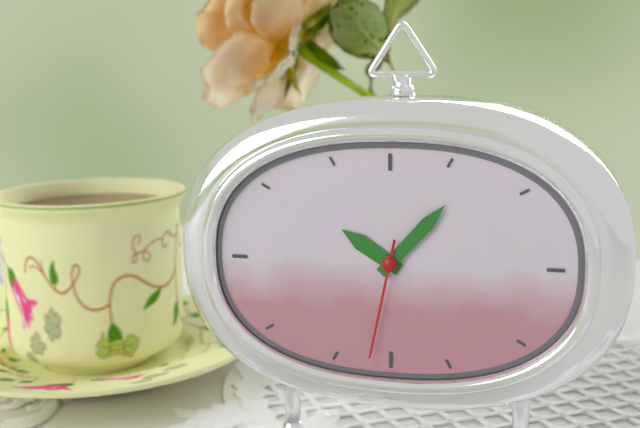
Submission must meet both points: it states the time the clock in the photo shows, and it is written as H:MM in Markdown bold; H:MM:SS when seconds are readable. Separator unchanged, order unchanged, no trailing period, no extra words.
**10:07:32**
